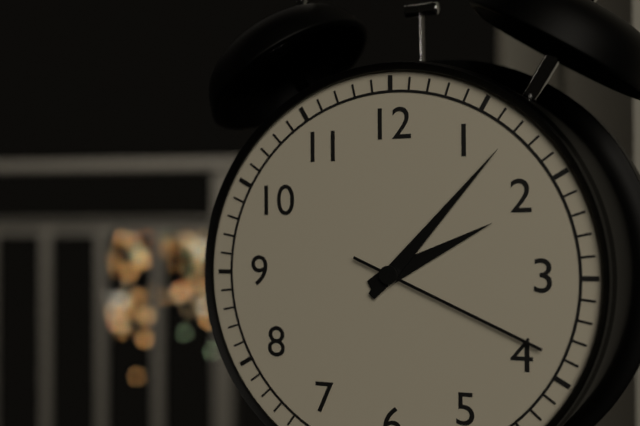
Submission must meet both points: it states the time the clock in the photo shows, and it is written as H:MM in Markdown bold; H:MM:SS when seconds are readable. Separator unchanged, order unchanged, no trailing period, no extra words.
**2:07:19**
